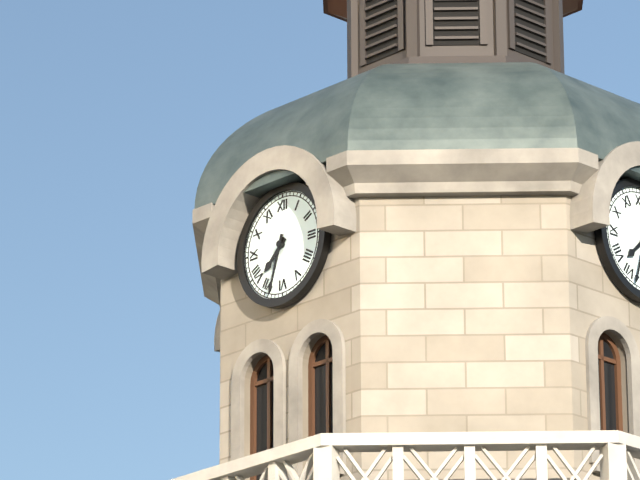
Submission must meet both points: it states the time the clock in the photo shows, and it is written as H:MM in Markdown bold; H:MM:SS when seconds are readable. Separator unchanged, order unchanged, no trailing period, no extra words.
**7:33**
